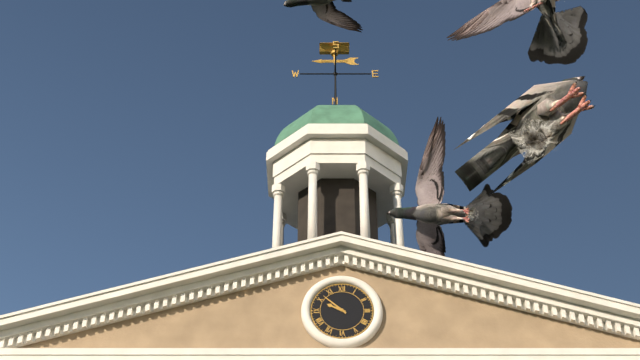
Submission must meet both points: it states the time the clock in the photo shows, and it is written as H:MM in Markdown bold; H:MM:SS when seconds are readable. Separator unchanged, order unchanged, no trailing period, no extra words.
**9:52**
